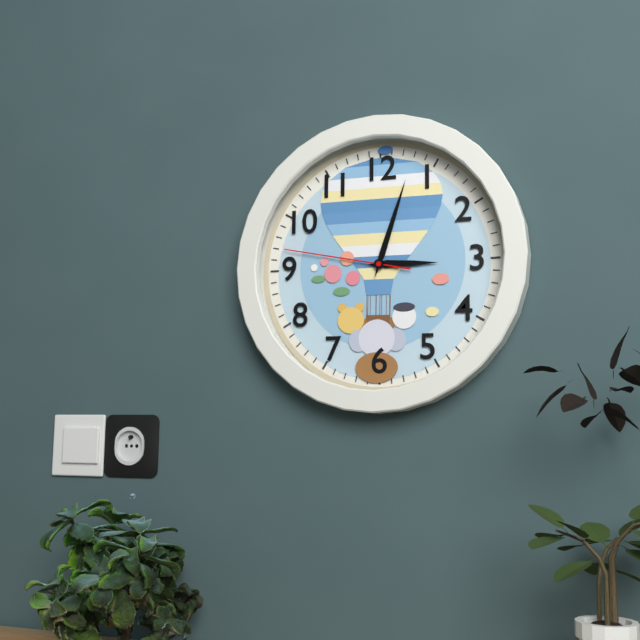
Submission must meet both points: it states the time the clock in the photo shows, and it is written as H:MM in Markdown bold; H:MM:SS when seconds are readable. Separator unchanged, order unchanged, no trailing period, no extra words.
**3:03:47**
